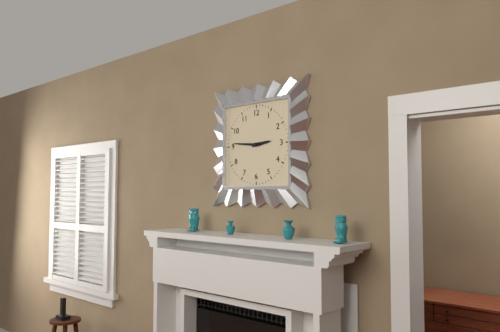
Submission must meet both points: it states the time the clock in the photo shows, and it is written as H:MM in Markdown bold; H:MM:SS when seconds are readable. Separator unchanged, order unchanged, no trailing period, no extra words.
**2:46**
